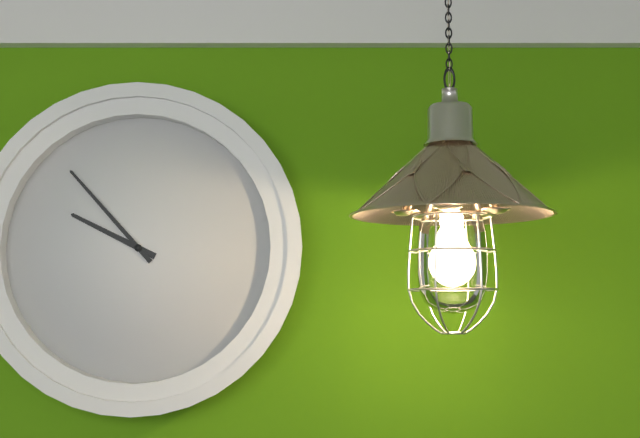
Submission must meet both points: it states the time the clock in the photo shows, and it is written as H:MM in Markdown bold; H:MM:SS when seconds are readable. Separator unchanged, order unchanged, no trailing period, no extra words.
**9:53**
